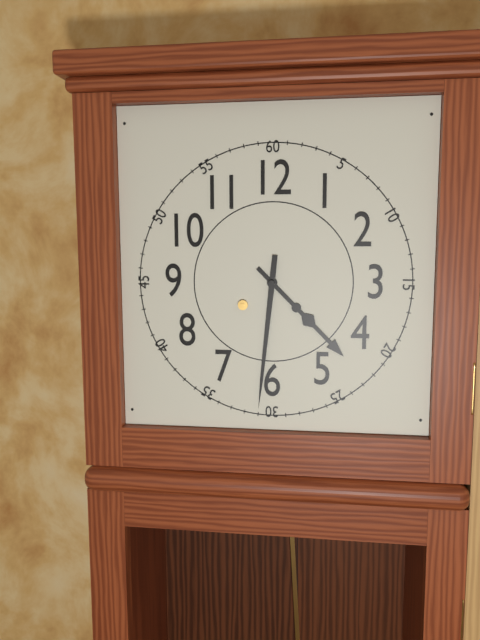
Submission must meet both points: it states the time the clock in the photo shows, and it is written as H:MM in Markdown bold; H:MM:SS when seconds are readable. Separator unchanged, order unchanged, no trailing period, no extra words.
**4:31**
